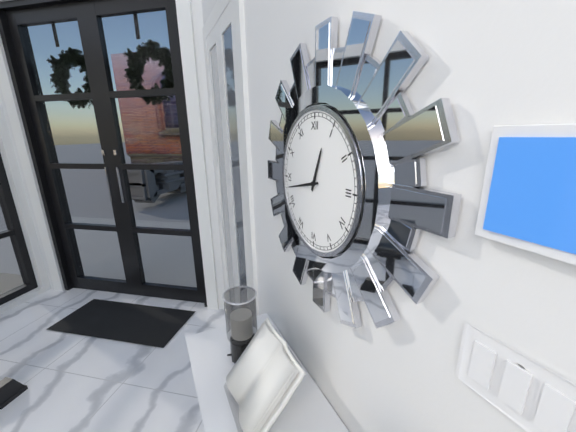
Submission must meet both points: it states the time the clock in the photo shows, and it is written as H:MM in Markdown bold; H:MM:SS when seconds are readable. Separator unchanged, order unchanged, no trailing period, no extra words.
**12:43**
